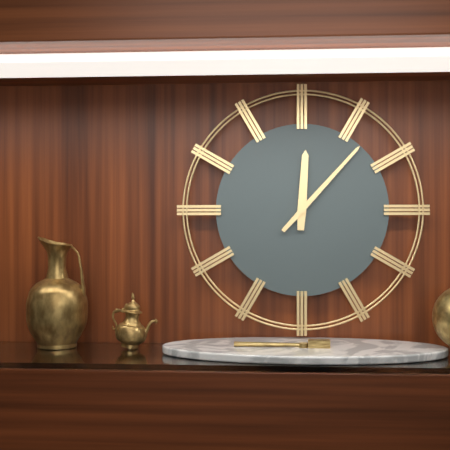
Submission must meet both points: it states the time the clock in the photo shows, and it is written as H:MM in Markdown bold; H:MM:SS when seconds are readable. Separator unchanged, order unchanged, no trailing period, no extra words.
**12:07**
